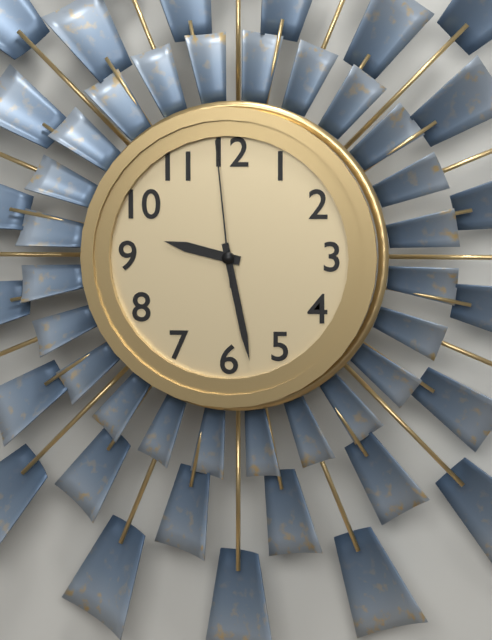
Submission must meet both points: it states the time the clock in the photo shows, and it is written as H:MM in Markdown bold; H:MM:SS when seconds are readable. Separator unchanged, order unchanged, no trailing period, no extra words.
**9:28:59**
